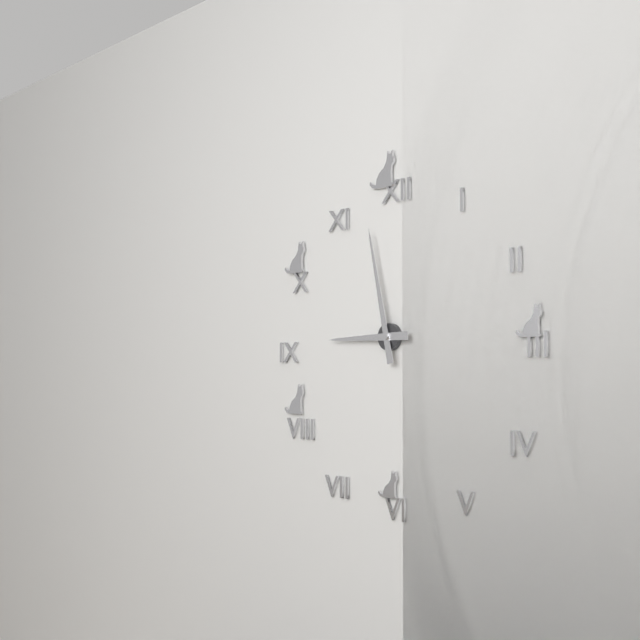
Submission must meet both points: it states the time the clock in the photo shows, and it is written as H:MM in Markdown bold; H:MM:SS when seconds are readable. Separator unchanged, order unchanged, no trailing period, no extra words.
**8:58**
